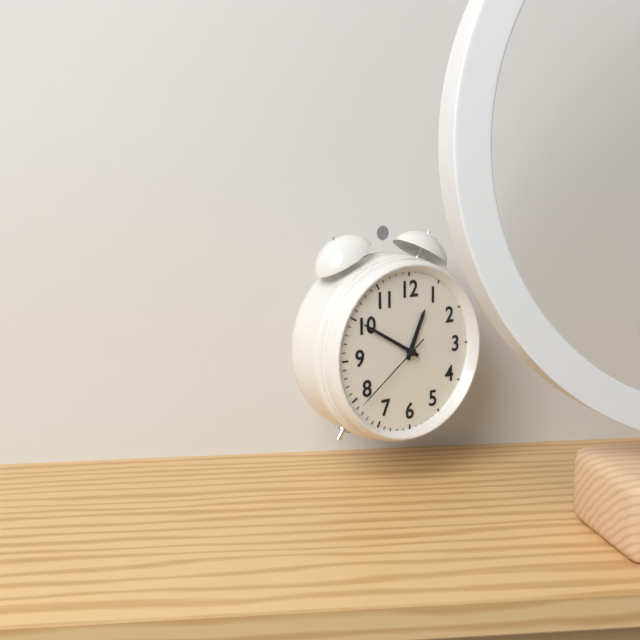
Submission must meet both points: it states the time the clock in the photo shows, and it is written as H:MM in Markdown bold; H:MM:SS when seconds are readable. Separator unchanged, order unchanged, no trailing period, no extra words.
**12:50:39**
